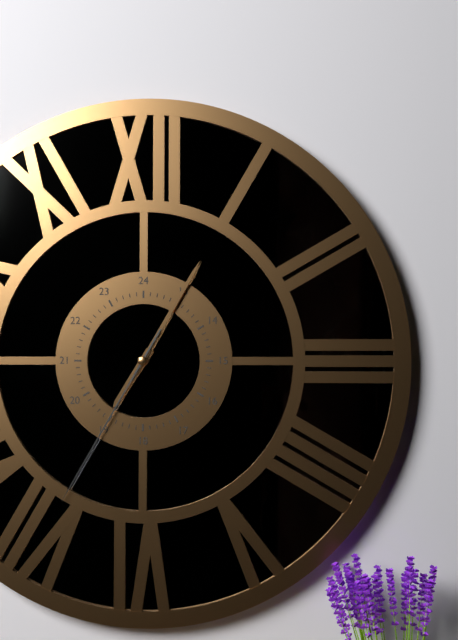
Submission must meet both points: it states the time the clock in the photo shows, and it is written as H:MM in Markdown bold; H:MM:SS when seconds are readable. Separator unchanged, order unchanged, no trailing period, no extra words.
**7:05:35**
